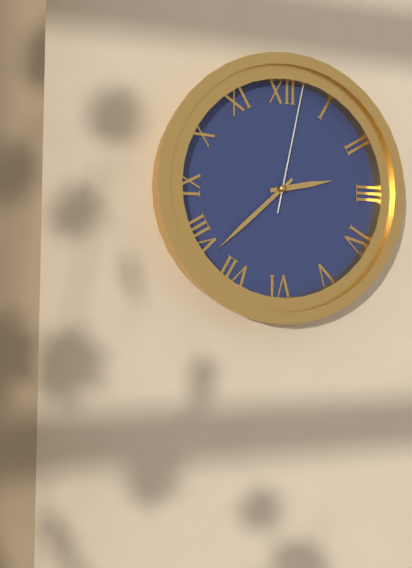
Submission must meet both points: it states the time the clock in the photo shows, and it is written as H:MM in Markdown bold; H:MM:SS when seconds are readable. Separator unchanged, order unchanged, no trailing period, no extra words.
**2:38:02**
